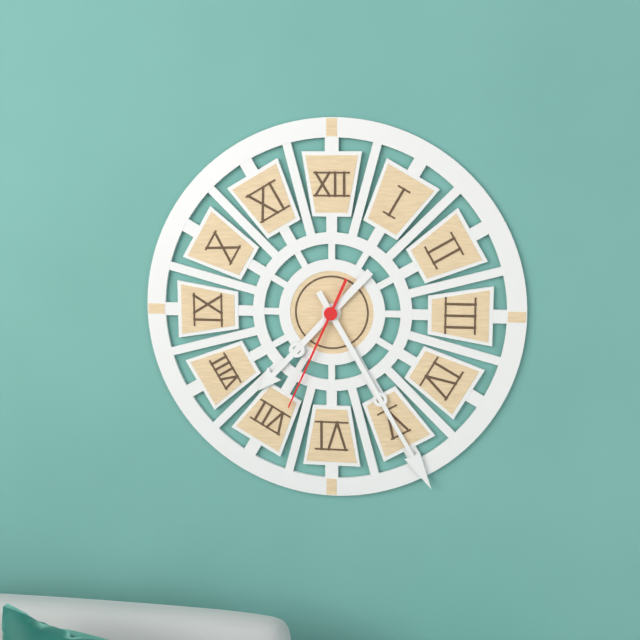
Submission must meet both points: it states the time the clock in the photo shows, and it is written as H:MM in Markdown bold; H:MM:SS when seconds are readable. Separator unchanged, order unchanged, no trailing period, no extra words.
**7:25:34**
